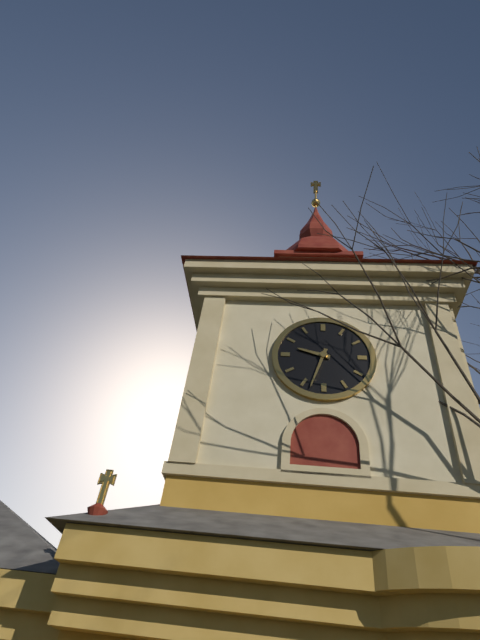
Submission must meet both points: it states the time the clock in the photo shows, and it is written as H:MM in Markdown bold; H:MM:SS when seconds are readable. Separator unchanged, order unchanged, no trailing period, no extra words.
**9:33**
